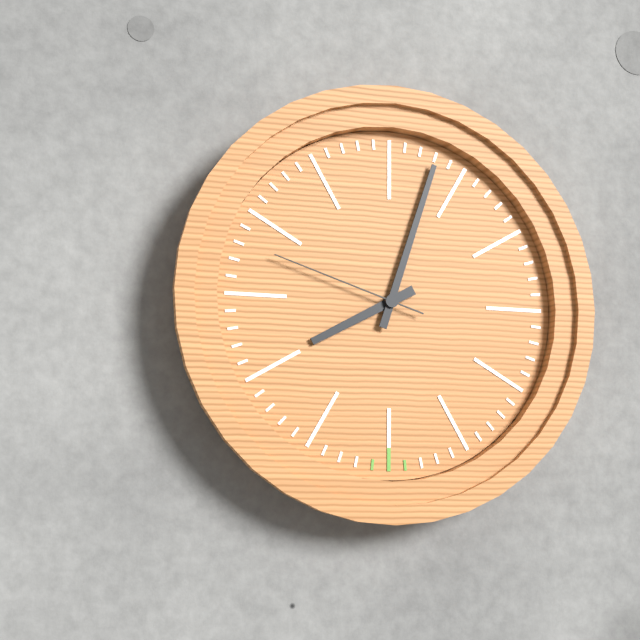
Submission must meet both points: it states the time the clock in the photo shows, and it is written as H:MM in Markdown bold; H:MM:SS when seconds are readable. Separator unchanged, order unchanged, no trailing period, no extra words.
**8:03:48**
